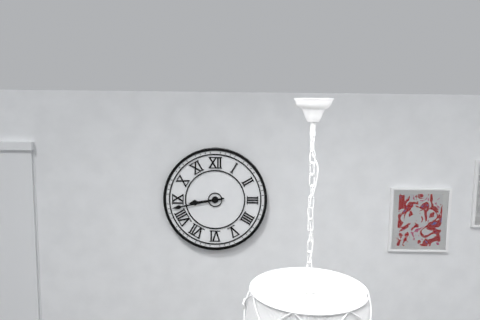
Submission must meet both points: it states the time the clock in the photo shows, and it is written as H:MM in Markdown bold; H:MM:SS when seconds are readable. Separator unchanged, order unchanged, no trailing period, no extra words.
**8:43**
